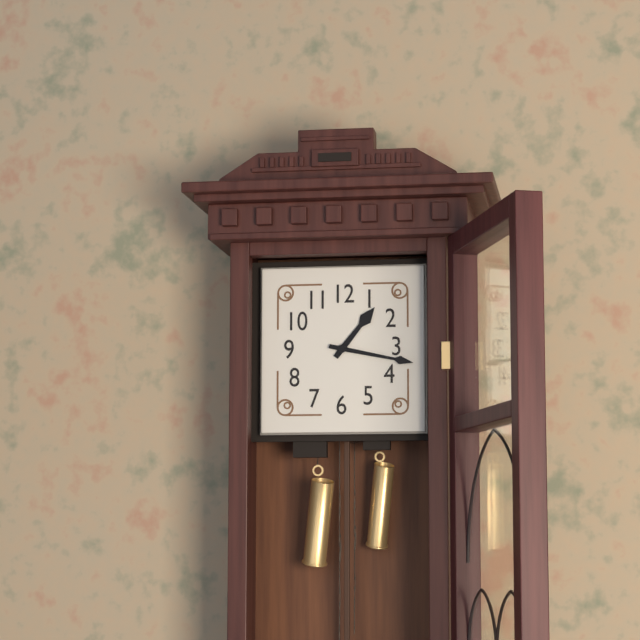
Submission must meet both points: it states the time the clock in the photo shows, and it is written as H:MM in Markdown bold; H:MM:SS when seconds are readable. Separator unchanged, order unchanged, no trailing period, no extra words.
**1:17**
